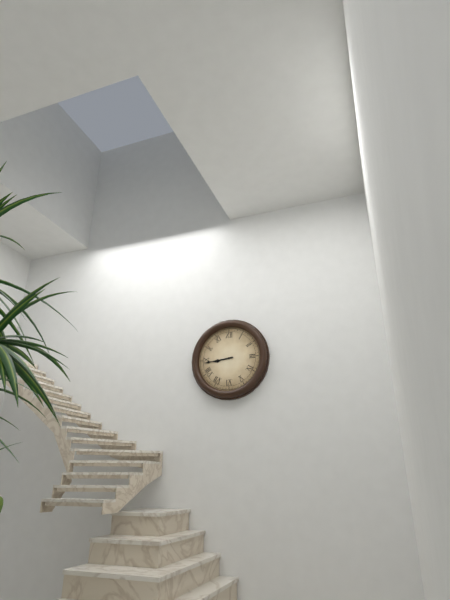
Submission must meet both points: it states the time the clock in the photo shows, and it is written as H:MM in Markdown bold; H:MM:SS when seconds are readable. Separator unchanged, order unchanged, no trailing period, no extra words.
**8:44**
